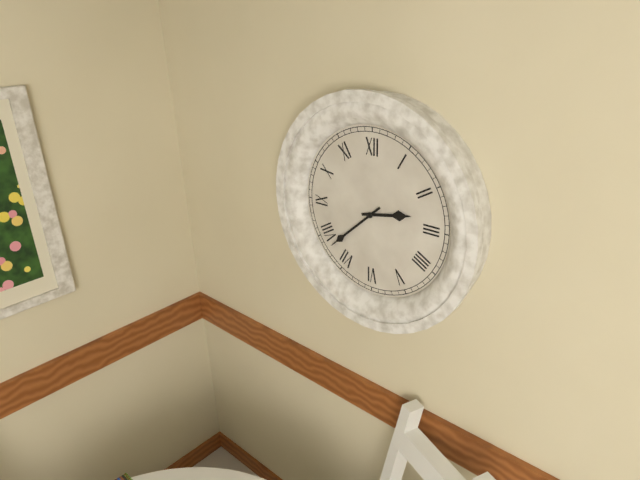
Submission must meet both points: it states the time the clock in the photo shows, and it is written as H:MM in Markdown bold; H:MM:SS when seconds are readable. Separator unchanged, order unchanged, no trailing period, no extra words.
**2:38**
